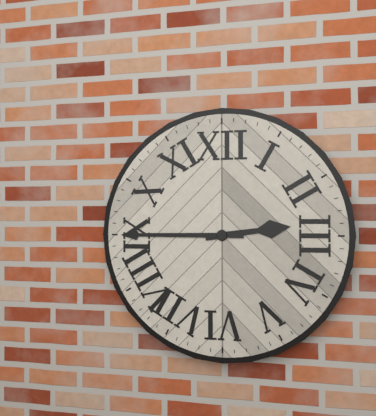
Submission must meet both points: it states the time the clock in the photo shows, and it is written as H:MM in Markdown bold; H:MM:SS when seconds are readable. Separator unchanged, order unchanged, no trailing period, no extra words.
**2:45**
